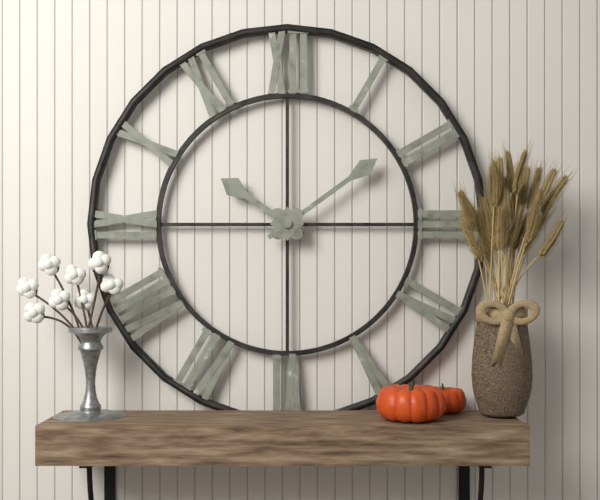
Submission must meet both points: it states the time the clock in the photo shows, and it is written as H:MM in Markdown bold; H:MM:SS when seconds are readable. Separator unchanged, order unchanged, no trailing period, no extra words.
**10:09**
